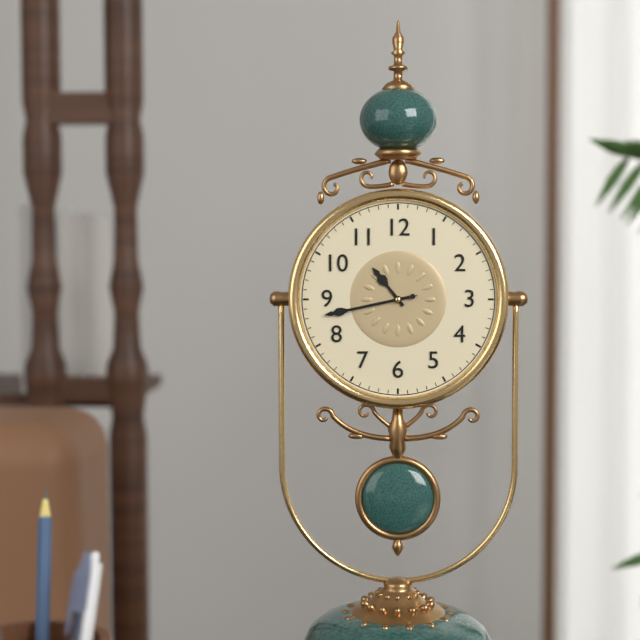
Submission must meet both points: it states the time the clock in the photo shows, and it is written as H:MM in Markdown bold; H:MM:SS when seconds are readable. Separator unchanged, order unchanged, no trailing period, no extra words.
**10:43:43**
